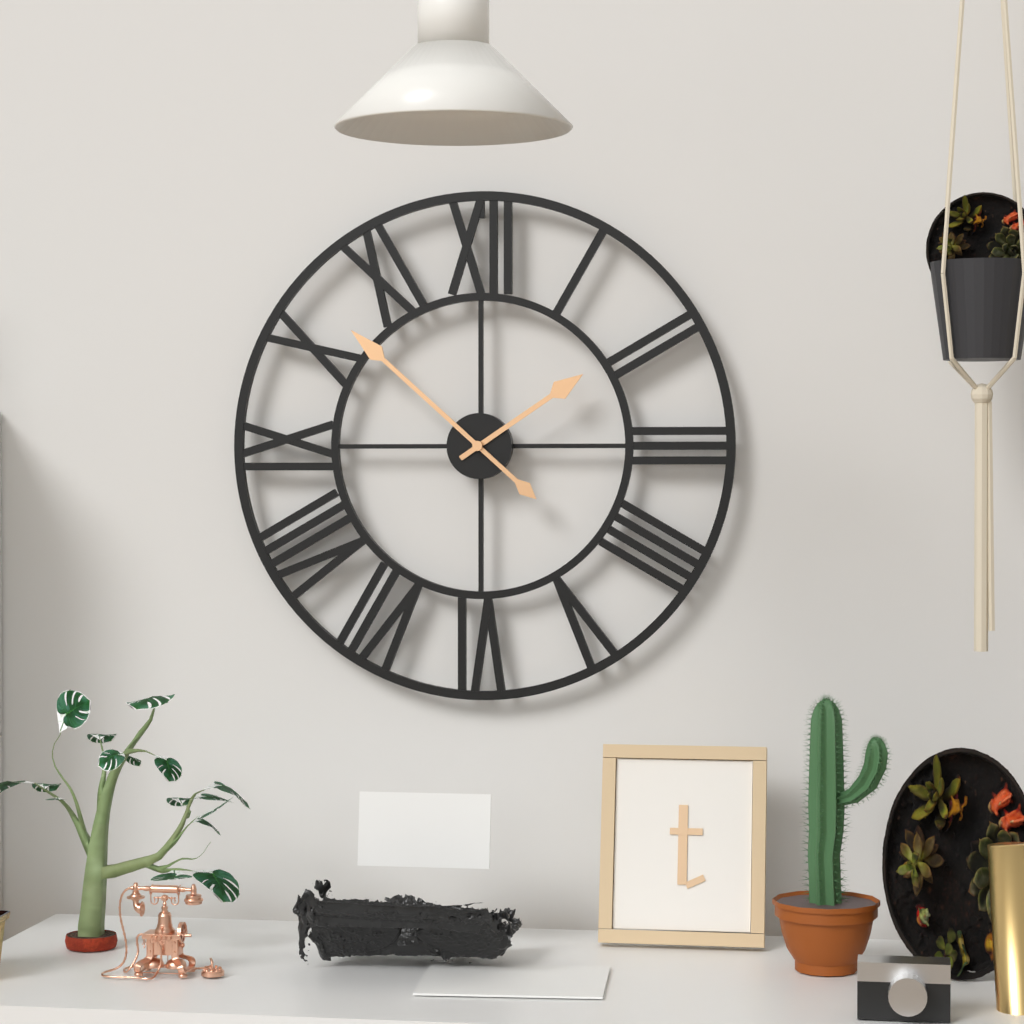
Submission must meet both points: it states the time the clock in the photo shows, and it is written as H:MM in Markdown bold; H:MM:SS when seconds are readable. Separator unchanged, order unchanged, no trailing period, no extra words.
**1:52**
